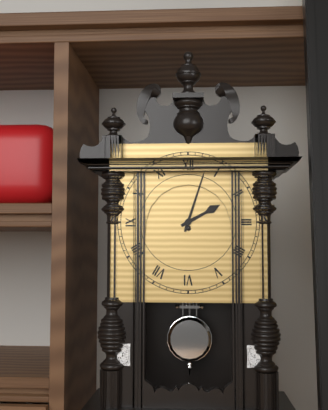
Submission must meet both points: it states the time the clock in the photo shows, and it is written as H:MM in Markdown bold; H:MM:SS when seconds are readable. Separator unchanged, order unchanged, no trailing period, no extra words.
**2:03**
